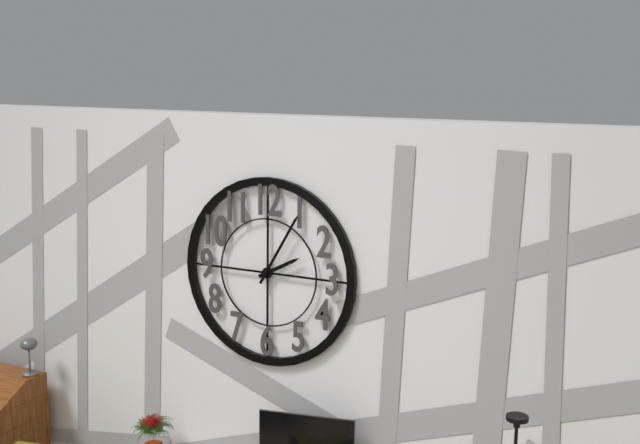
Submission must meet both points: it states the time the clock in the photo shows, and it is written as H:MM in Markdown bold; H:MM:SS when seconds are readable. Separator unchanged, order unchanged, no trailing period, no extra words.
**2:05**
